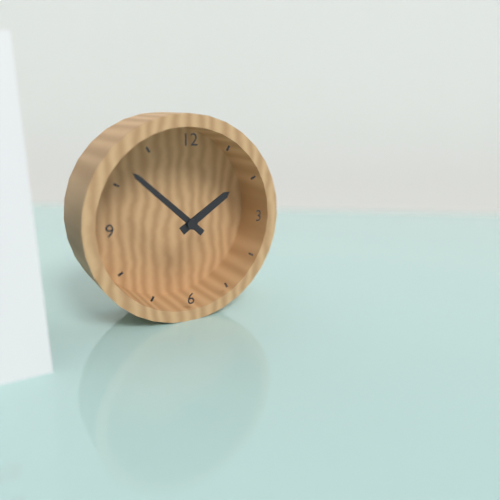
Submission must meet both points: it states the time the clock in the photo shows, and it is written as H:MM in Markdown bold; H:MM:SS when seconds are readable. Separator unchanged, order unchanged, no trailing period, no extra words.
**1:52**
